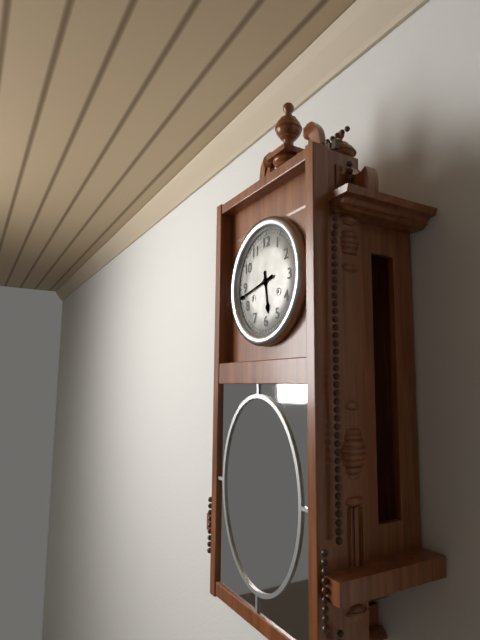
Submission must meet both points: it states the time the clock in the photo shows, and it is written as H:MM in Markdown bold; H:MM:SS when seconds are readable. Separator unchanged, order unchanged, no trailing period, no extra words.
**5:43**
